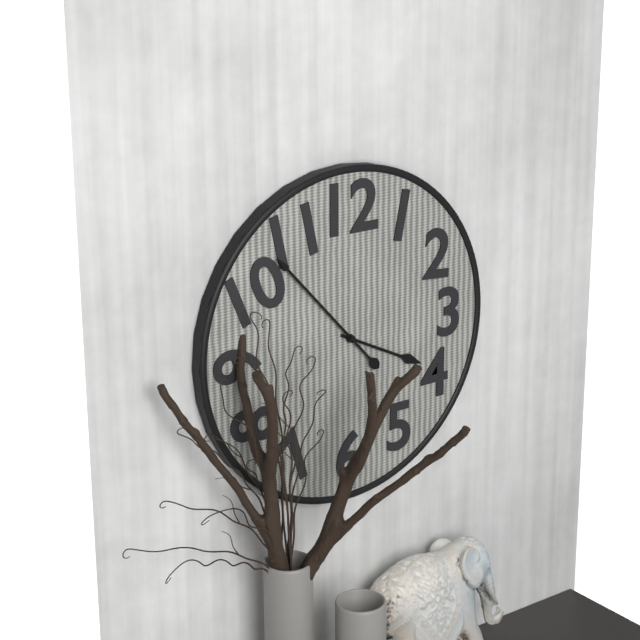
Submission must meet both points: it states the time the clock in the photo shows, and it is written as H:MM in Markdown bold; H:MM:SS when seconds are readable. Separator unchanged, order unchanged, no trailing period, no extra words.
**3:53**
